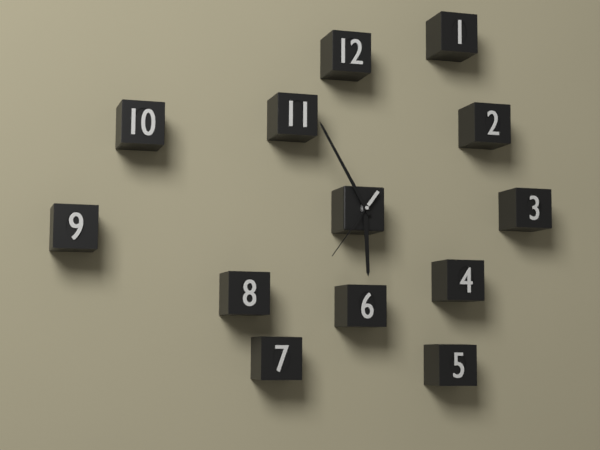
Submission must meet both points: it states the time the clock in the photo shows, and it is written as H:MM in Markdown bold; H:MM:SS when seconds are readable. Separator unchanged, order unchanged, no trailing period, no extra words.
**5:55:36**
